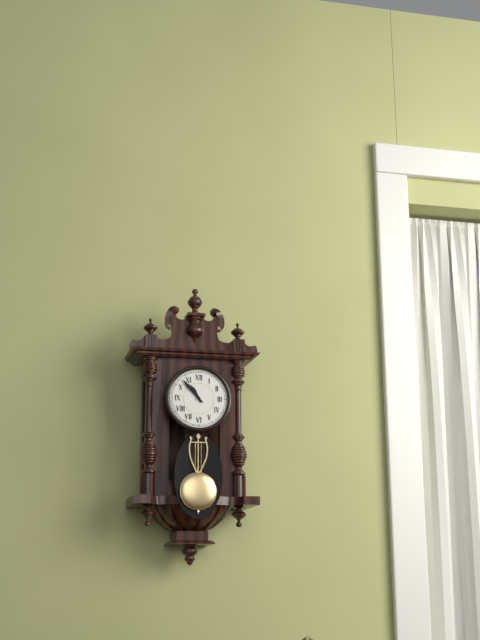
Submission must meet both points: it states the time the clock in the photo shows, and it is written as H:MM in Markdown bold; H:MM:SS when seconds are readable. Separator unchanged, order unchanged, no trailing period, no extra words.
**10:53**
